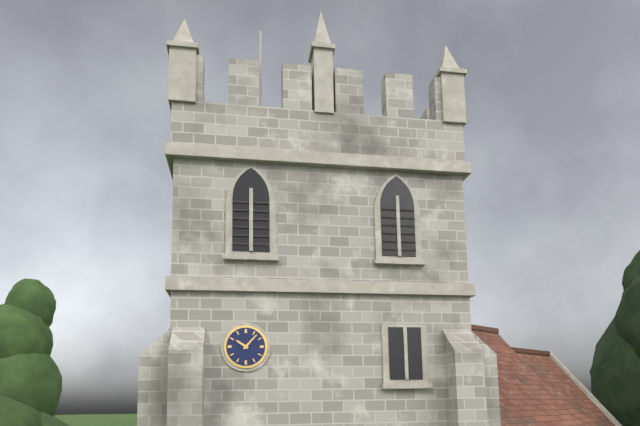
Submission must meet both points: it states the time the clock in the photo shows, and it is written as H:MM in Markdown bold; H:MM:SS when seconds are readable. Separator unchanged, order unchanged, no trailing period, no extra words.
**10:07**
